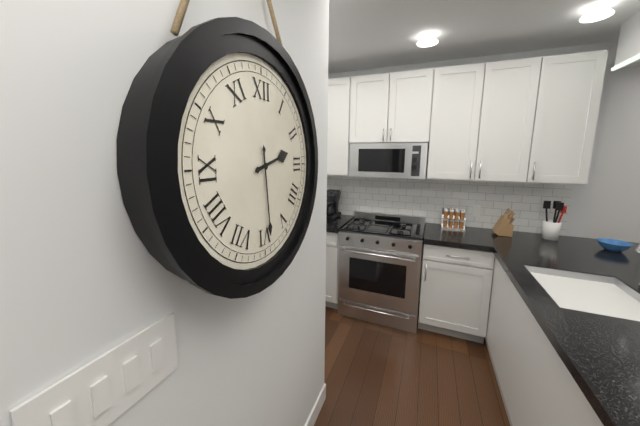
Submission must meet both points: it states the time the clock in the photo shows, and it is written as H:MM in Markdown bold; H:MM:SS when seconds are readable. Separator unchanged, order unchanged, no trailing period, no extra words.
**2:29**
